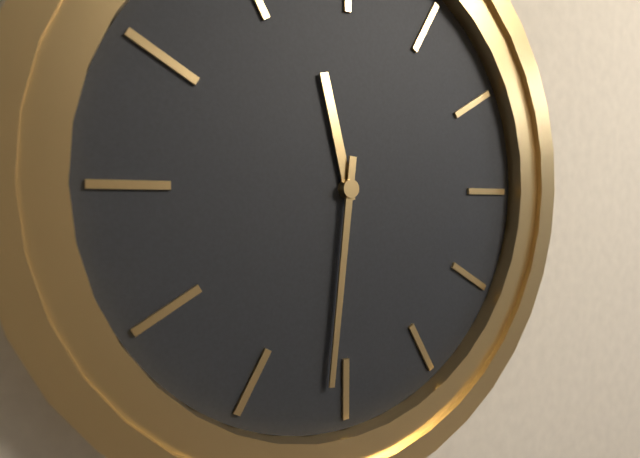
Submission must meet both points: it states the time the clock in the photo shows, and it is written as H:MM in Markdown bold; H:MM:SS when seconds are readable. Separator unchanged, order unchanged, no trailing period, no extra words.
**11:31**
